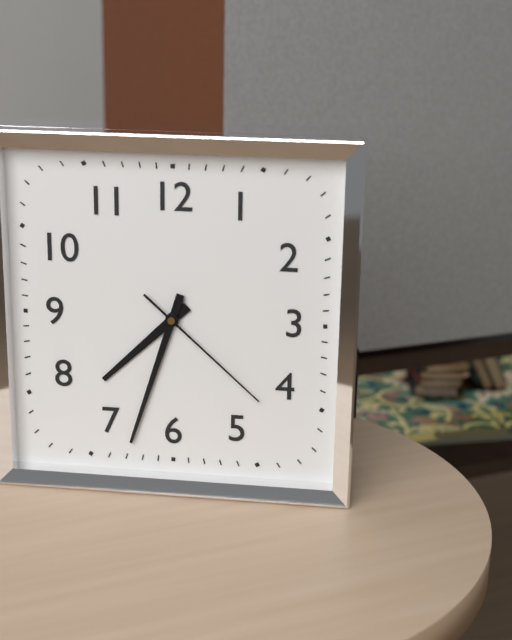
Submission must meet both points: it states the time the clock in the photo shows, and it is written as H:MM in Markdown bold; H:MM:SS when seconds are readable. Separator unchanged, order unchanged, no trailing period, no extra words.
**7:33:22**
